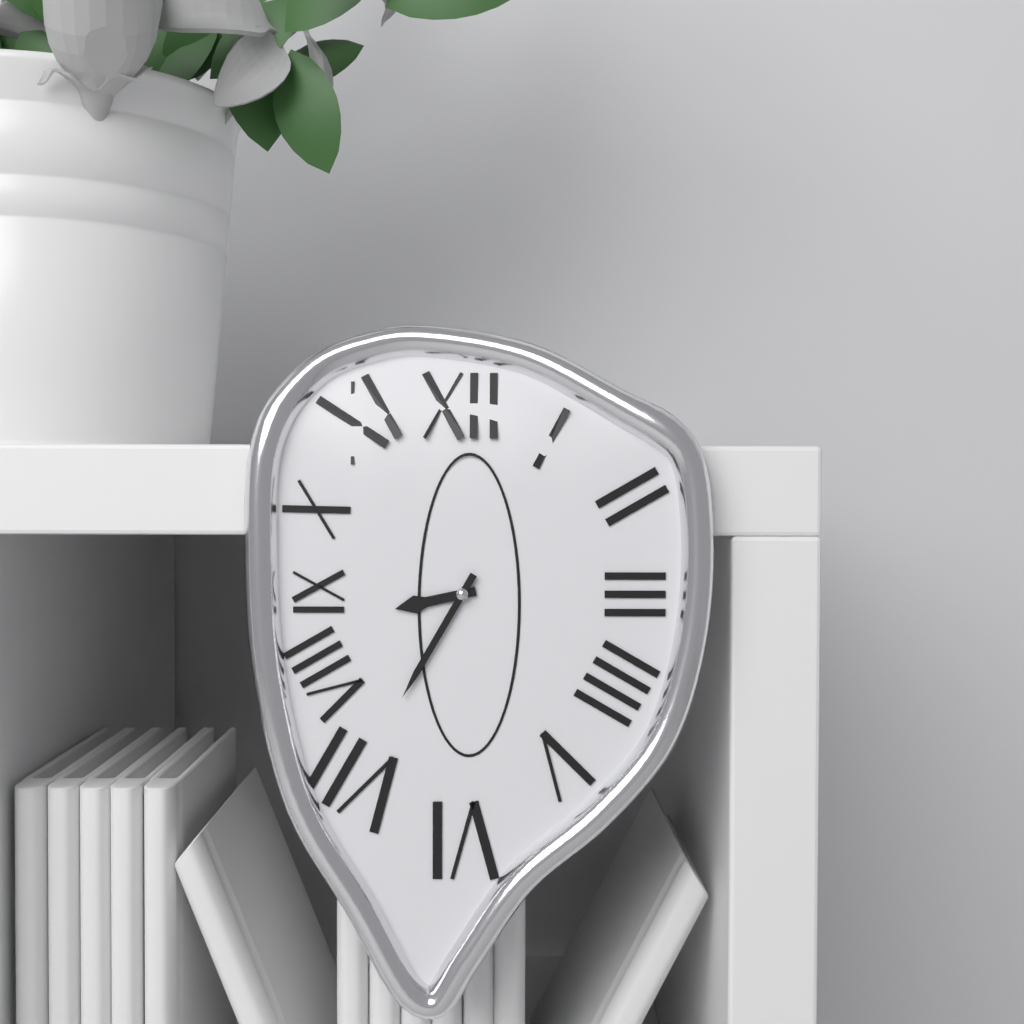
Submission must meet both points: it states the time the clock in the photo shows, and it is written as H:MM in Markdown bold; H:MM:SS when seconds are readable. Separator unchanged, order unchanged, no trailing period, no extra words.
**8:35**
